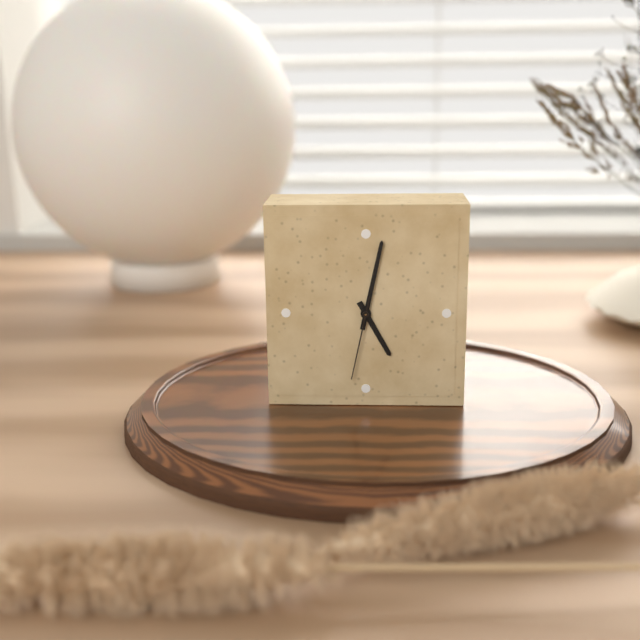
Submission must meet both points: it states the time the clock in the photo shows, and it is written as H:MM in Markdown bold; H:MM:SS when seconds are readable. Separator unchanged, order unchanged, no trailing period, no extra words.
**5:02:32**
